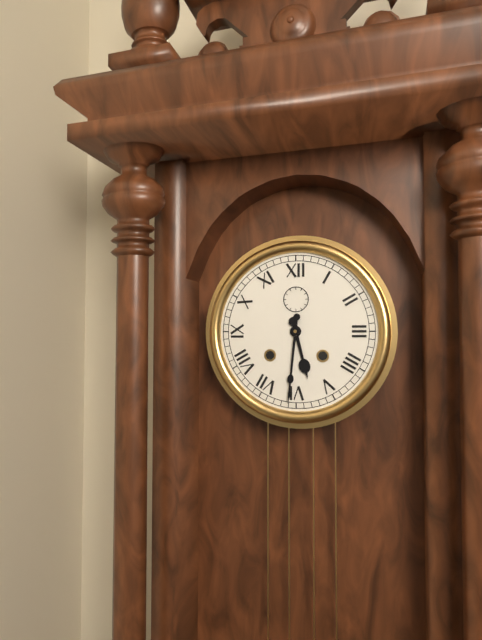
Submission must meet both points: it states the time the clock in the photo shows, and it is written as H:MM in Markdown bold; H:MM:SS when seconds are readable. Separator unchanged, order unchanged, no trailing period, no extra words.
**5:31**
